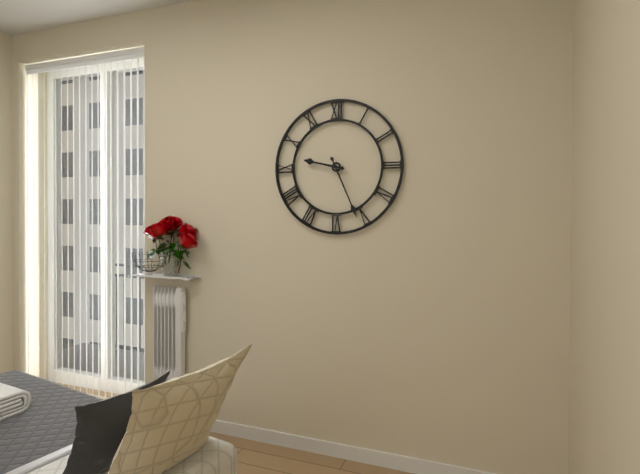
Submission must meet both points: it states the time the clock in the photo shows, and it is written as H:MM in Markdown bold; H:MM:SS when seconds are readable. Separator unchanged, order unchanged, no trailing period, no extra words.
**9:26**
